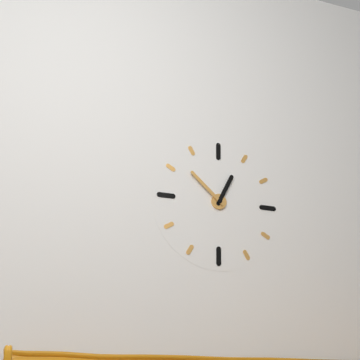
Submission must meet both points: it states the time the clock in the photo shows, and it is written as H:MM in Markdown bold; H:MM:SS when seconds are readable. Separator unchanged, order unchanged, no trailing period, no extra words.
**12:52**
